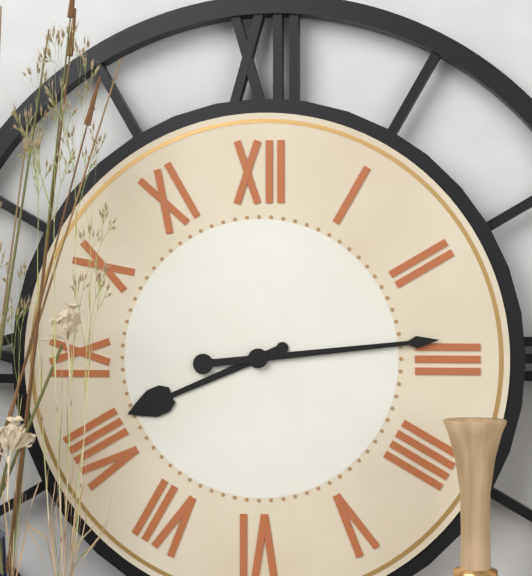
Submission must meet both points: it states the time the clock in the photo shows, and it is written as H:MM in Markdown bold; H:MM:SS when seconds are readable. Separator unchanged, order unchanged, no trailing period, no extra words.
**8:14**
